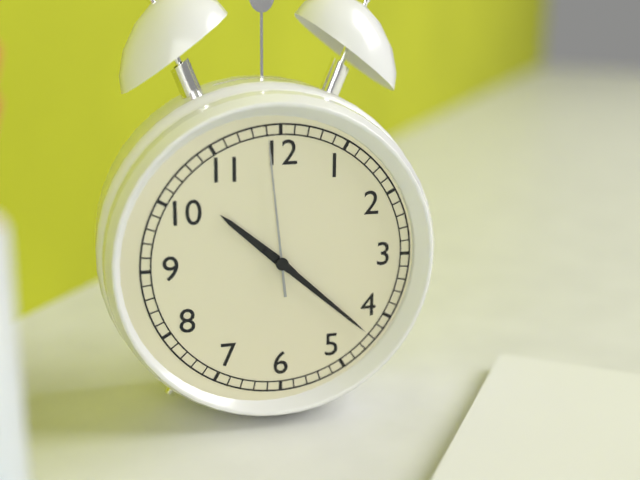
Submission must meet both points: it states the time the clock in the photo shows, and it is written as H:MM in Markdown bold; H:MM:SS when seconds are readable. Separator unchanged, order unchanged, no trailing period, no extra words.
**10:22:59**
